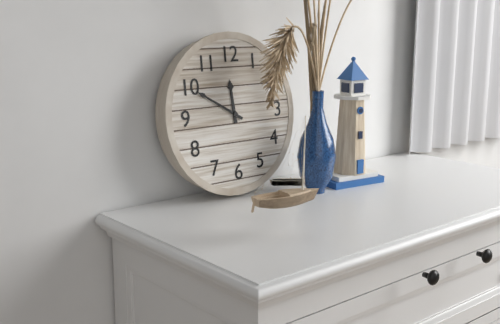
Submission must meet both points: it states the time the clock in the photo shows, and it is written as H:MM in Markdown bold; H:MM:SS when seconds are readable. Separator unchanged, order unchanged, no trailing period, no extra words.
**11:50**
